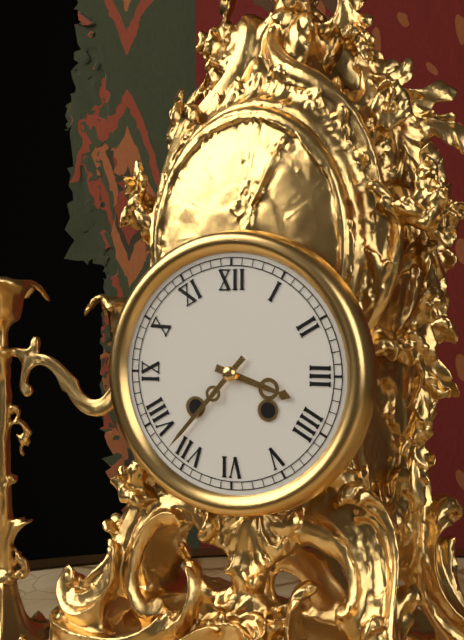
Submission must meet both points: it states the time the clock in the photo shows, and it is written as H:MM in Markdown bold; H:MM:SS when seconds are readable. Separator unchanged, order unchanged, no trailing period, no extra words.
**3:37**
